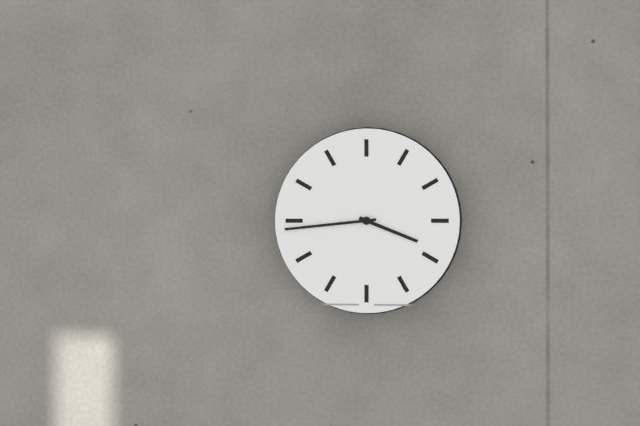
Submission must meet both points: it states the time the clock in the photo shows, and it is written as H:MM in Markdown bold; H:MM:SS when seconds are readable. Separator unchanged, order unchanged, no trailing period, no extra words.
**3:44**
